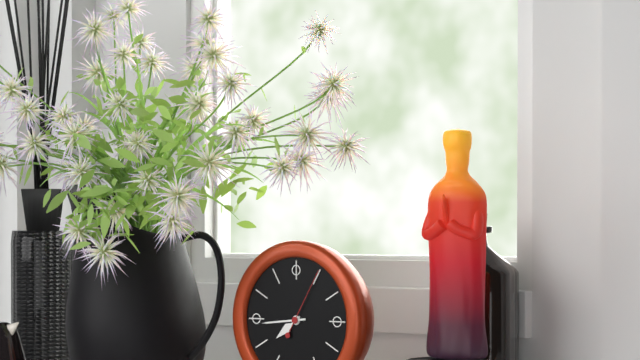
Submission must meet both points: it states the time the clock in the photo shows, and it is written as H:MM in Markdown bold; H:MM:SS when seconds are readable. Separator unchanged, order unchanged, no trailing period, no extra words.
**7:44:05**
